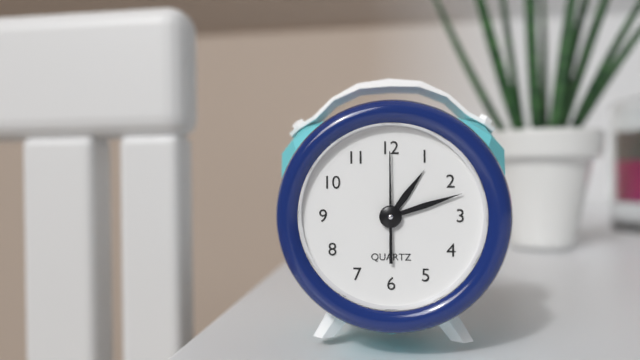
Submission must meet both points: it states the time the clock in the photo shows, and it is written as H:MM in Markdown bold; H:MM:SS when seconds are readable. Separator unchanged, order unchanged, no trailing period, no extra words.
**1:12:00**
